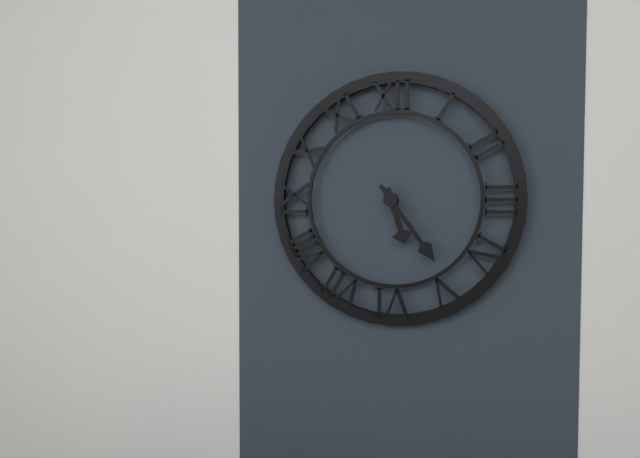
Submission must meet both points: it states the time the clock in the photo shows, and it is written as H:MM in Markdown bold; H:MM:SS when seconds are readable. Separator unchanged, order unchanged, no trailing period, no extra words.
**5:24**
